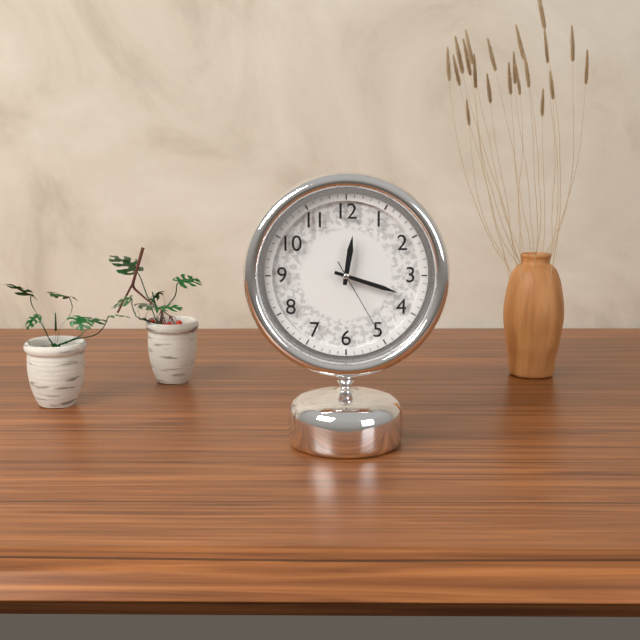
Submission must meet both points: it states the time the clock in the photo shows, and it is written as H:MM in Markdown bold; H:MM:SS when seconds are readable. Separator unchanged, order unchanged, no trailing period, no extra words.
**12:18:25**
